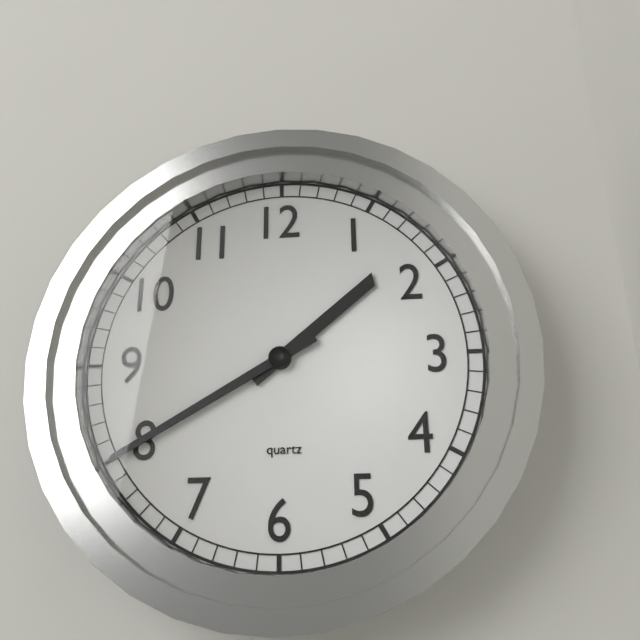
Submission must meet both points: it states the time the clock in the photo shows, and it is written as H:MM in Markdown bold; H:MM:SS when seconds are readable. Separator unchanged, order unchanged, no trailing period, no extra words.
**1:40**
